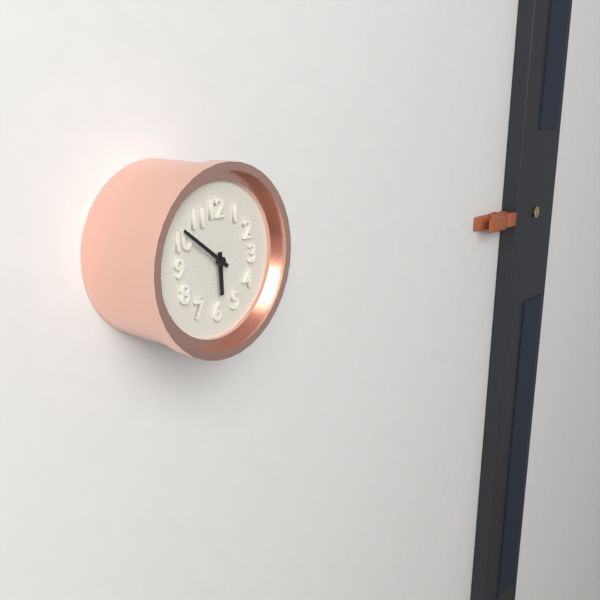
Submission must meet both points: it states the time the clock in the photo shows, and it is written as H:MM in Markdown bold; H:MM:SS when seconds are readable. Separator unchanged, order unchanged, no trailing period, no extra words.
**5:51**
